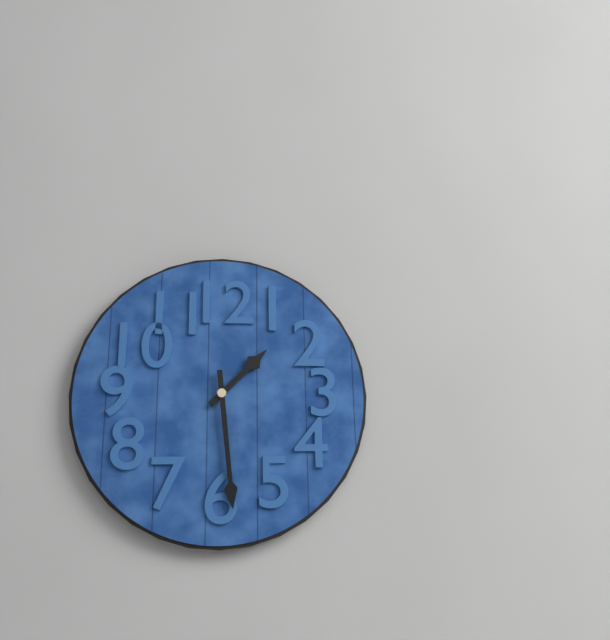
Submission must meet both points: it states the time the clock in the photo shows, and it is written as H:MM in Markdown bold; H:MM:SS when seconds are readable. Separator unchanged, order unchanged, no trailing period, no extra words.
**1:29**
